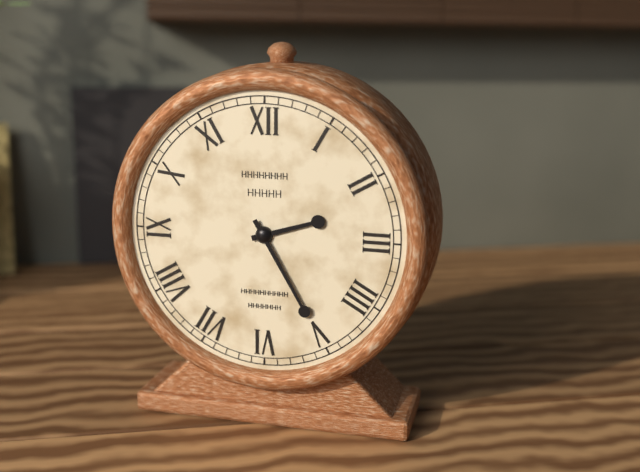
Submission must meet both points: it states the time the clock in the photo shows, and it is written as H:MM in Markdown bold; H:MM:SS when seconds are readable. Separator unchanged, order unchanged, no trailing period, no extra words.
**2:25**
